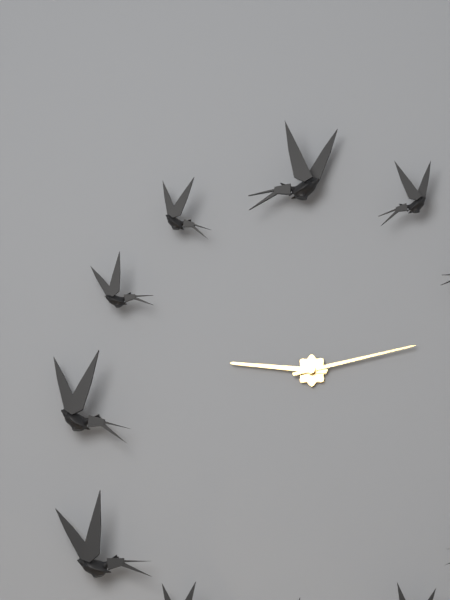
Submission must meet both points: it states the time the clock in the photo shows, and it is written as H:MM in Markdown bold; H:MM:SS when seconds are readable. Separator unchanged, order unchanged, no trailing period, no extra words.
**9:13**
